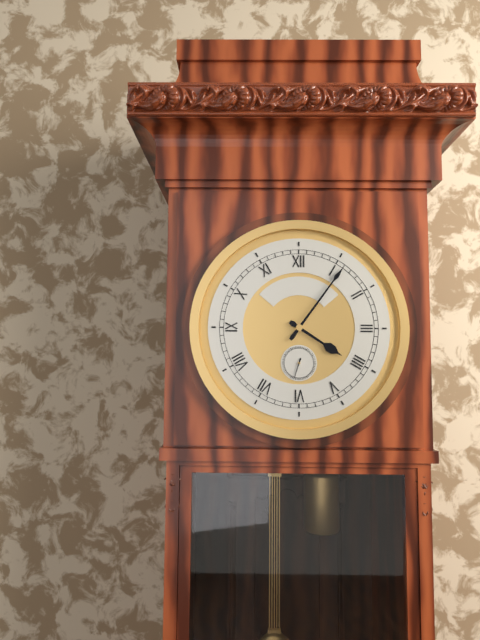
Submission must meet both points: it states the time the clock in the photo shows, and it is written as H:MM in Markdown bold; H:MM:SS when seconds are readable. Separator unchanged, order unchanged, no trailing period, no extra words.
**4:06**
